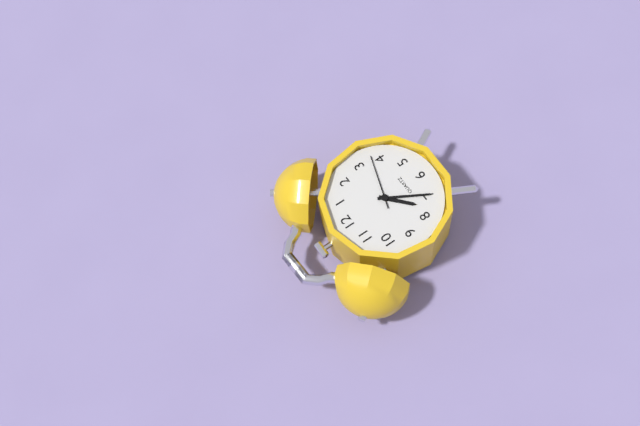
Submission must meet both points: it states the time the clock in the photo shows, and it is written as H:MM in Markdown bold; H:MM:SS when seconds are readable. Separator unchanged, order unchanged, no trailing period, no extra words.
**7:35:18**
